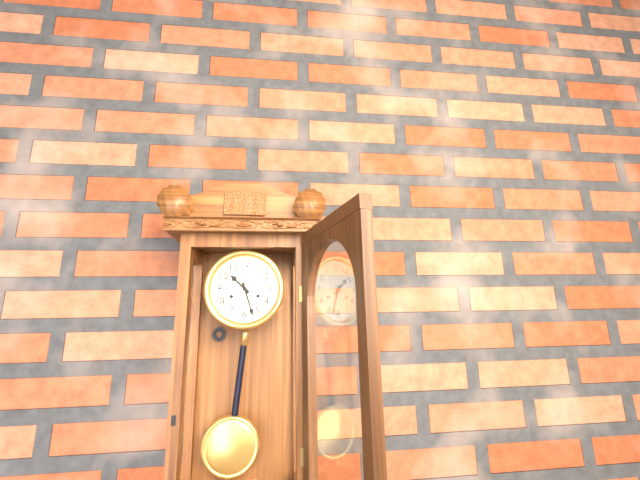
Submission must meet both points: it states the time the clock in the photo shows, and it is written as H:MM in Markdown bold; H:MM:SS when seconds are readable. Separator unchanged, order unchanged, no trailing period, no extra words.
**10:27**
